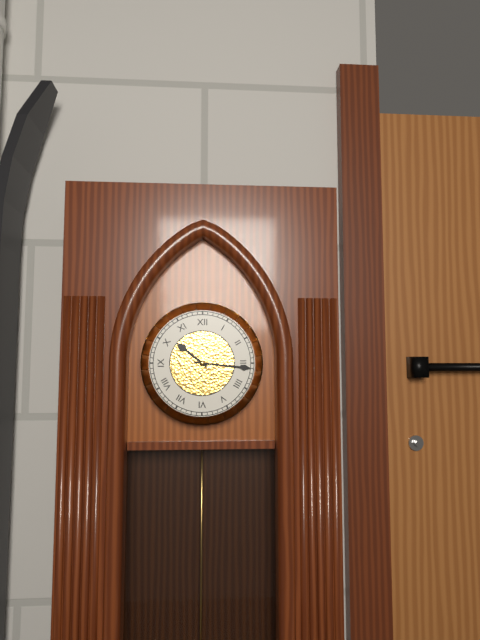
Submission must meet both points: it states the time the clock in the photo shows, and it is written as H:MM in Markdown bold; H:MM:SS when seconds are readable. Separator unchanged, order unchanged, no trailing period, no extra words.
**10:16**
